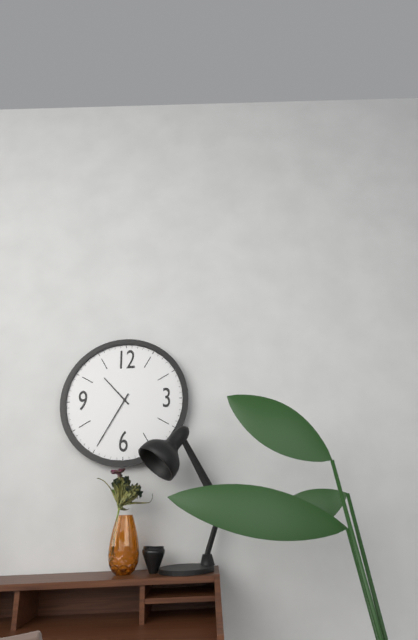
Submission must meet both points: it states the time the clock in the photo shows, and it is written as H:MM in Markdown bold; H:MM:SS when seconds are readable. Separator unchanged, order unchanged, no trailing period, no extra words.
**10:35**
